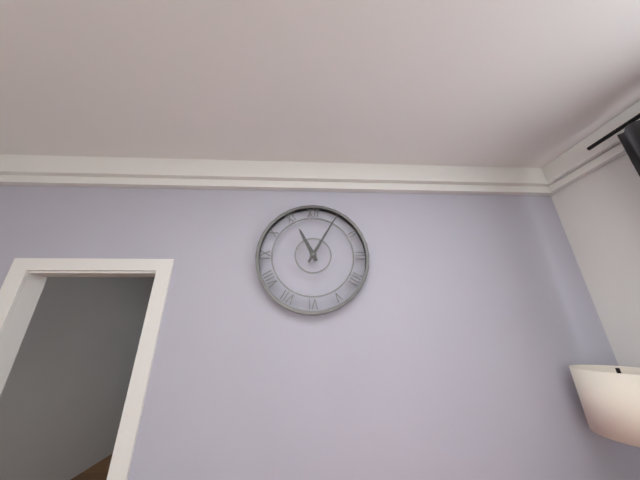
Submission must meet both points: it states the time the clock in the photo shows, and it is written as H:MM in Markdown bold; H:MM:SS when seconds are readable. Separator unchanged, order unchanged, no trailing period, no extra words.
**11:05**
